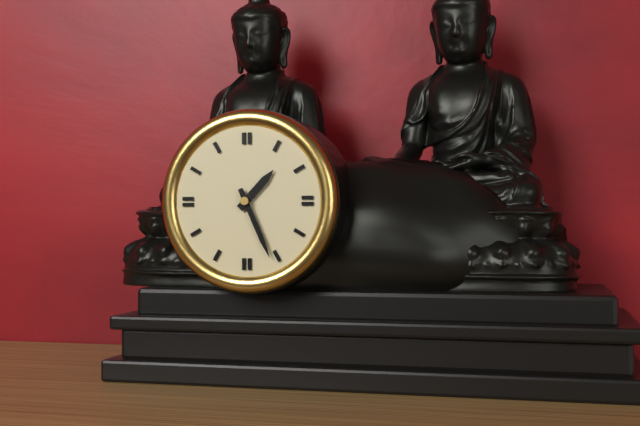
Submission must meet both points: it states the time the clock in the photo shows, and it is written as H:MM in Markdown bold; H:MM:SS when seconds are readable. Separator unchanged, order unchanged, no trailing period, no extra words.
**1:26**
